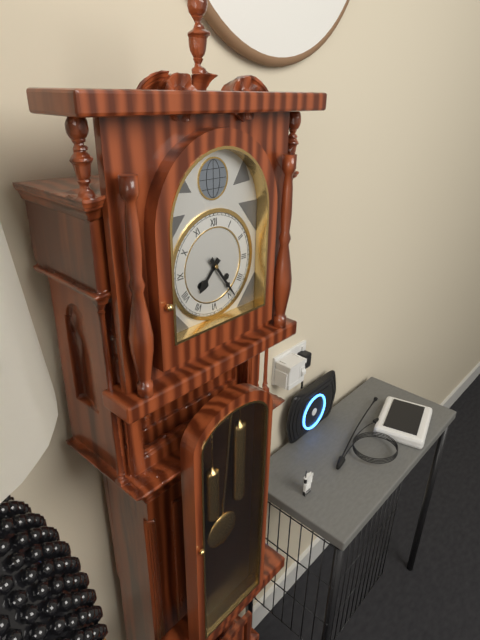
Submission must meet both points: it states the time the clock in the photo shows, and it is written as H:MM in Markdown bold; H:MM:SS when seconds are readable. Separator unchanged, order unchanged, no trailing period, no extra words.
**7:24**
